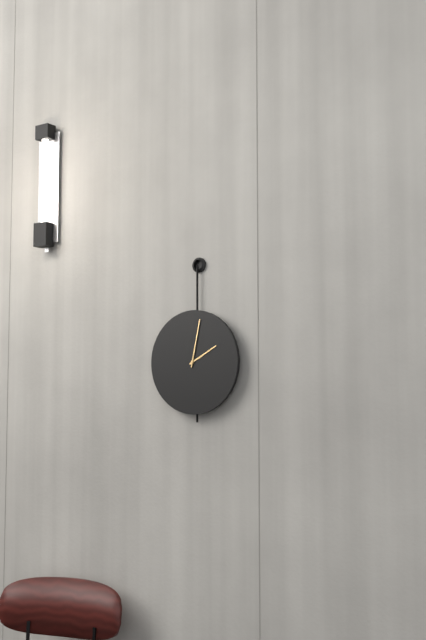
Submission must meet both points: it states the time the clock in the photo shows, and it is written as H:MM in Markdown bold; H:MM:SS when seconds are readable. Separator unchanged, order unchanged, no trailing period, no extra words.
**2:02**
